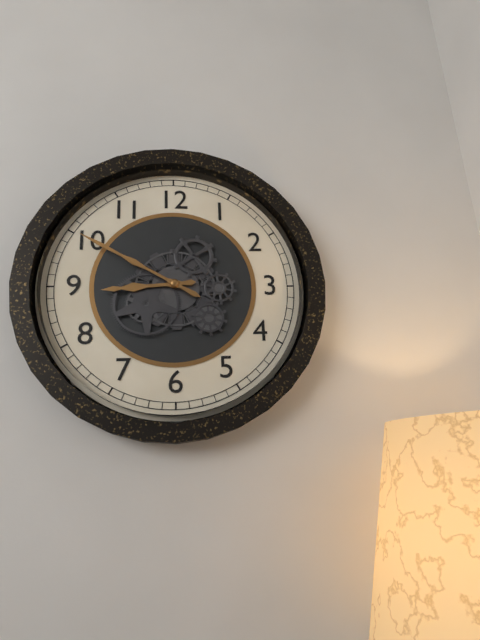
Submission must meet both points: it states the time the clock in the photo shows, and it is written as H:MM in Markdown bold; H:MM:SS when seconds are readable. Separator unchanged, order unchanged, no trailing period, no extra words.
**8:50**
